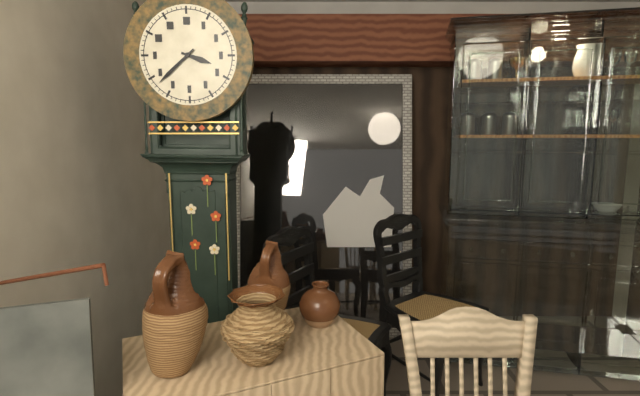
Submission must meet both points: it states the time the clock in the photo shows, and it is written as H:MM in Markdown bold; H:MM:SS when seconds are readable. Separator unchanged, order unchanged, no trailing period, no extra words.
**3:38**
